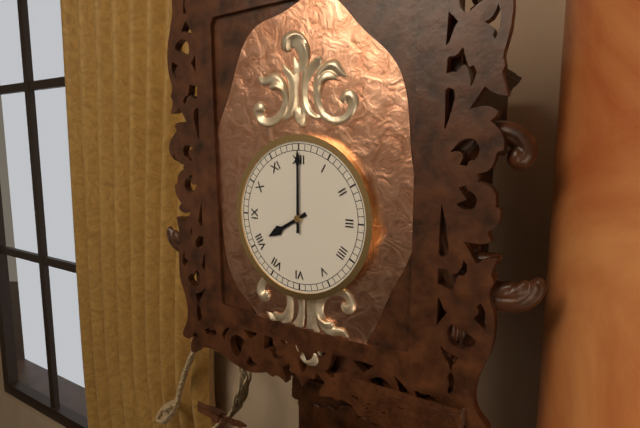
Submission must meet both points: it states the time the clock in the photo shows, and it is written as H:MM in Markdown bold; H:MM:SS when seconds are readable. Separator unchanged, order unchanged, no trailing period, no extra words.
**8:00**
